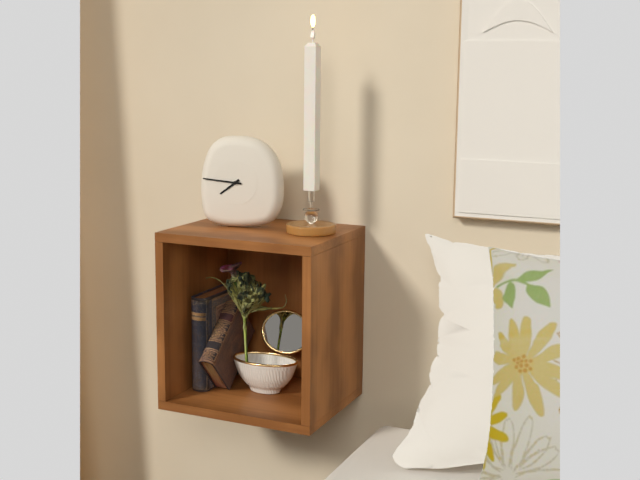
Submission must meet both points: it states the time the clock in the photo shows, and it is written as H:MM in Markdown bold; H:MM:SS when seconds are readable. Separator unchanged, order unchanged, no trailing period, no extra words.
**7:46**
